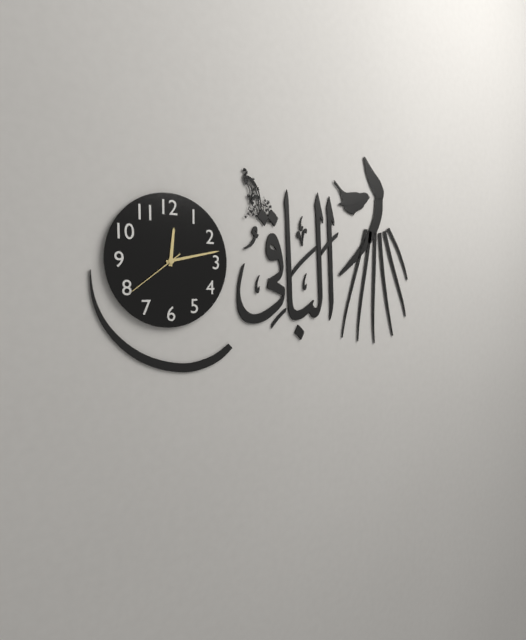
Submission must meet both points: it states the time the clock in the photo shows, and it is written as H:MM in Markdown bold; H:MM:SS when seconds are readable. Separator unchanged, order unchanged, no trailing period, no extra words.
**12:13:39**
